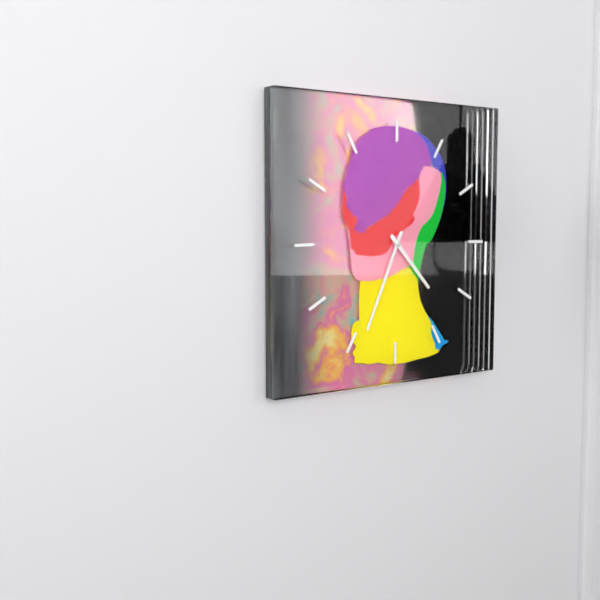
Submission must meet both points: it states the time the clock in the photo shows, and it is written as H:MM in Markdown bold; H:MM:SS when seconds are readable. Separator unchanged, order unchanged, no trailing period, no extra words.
**4:34**
